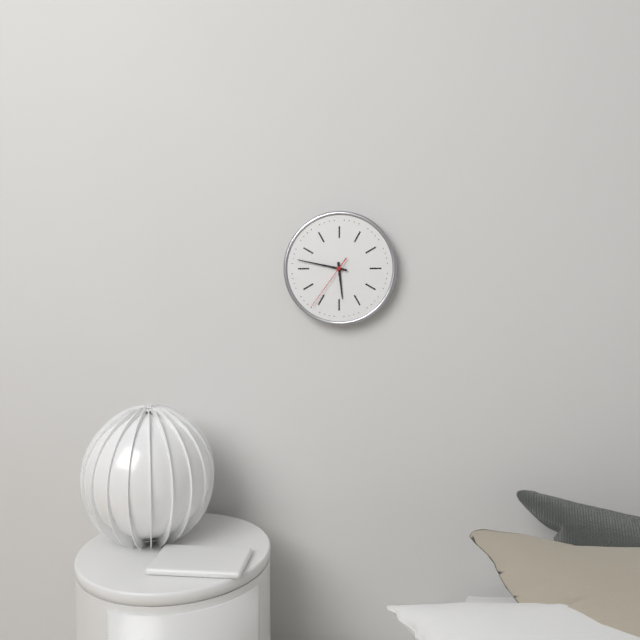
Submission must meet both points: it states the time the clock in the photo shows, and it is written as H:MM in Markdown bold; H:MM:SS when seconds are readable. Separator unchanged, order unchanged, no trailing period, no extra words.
**5:47:36**
